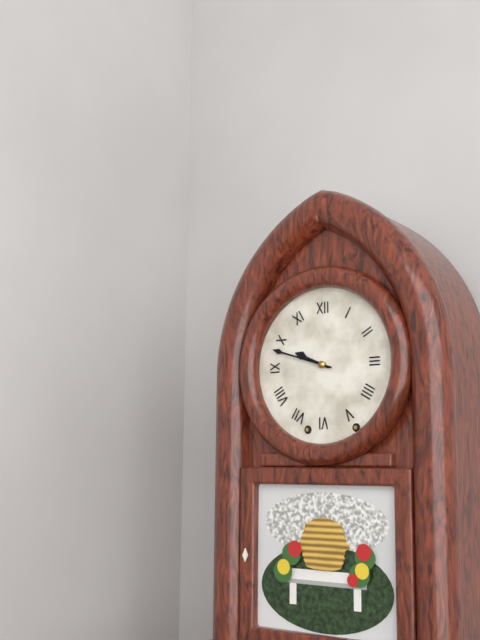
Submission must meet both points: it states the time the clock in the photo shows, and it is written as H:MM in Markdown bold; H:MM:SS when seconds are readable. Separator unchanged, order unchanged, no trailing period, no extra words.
**9:48**
